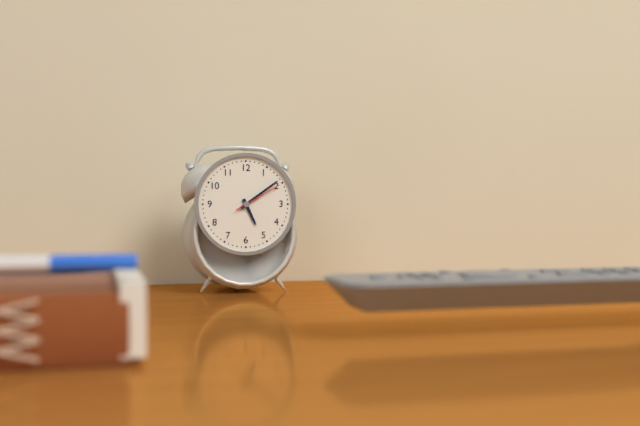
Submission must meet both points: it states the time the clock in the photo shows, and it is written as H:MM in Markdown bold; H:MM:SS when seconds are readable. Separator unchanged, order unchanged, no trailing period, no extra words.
**5:09**
